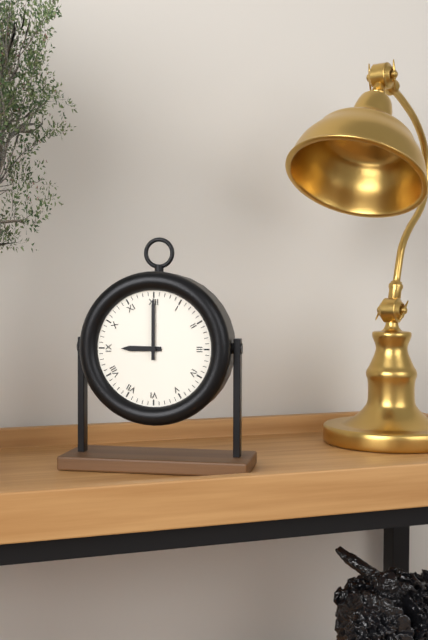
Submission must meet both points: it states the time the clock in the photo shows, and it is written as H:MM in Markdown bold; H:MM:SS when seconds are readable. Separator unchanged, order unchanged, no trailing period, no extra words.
**9:00**
